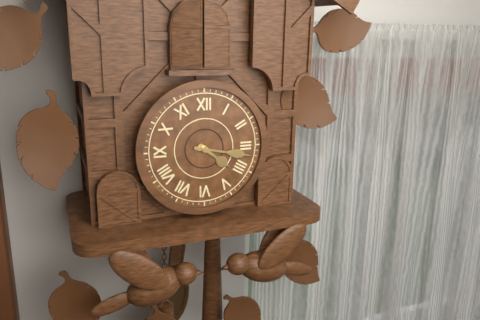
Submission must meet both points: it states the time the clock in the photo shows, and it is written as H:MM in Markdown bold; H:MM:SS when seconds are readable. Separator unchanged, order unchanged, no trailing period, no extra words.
**4:17**
